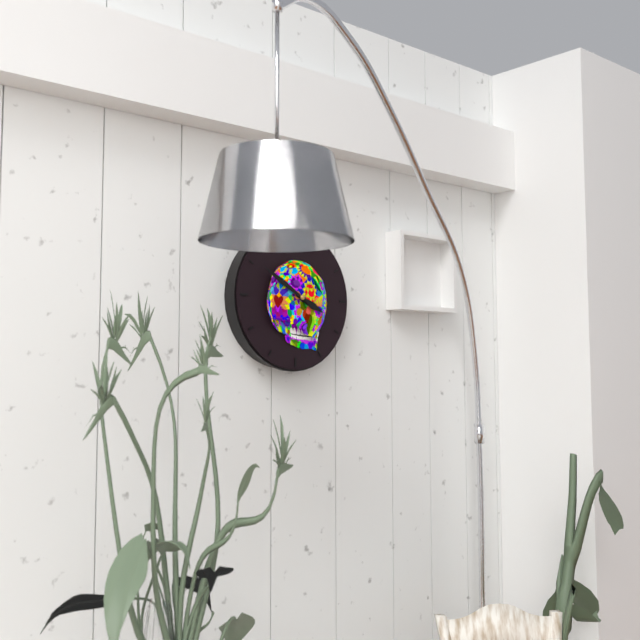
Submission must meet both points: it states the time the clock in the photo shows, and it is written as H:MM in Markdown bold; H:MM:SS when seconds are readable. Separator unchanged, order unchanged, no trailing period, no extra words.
**3:50**
